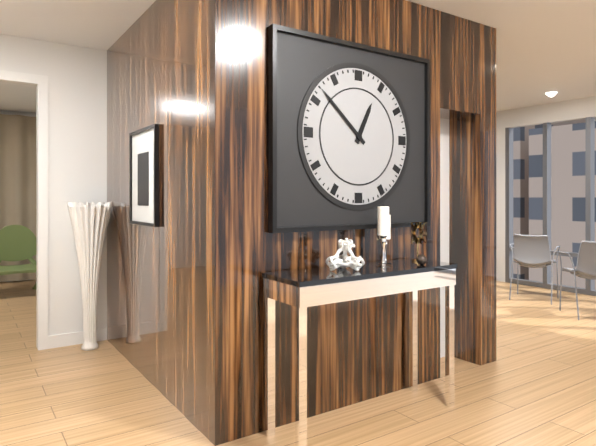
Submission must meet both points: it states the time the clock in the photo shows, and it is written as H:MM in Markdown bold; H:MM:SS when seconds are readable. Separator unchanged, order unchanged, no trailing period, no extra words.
**12:52**
